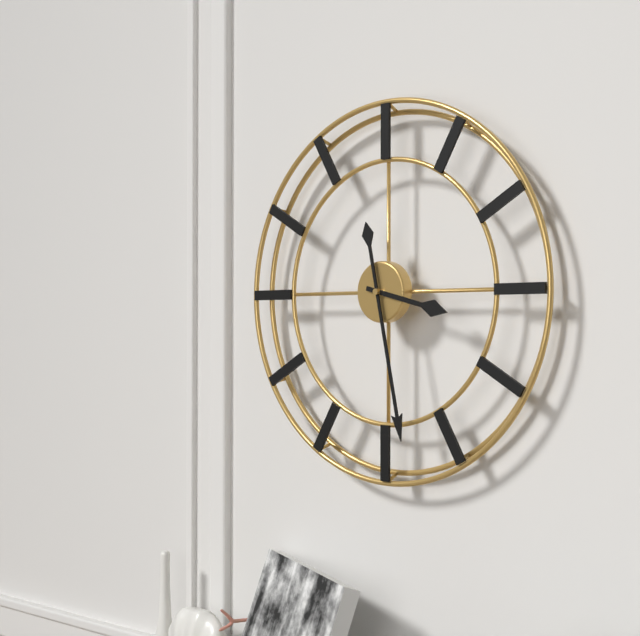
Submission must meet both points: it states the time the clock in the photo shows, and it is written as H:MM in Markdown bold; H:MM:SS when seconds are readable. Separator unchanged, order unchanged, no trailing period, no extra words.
**3:28**
